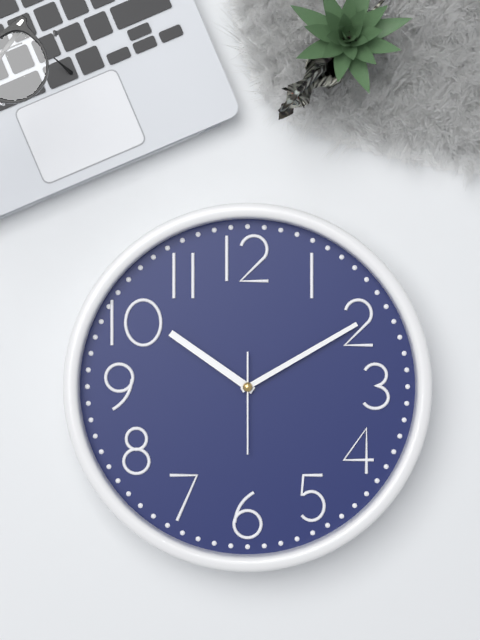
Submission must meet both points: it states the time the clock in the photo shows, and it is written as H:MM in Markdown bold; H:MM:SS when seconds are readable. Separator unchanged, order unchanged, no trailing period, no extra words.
**10:10:30**
